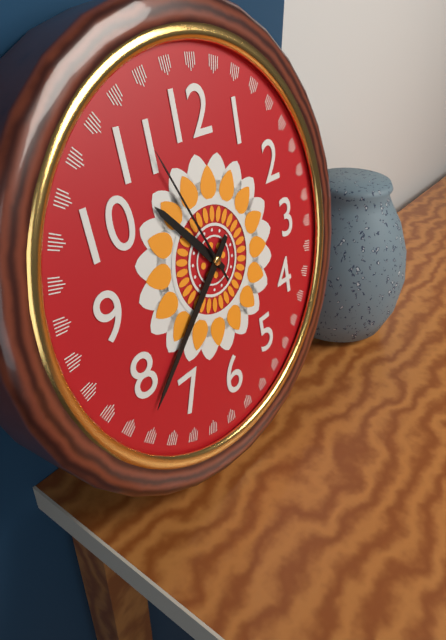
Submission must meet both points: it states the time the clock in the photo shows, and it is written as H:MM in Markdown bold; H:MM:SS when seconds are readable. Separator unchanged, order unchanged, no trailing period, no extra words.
**10:38:56**
